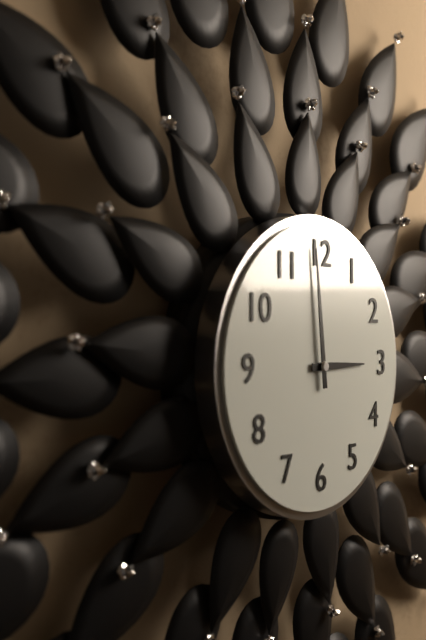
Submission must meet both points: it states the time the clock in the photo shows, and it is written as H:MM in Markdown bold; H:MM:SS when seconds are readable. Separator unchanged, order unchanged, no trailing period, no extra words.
**2:59**
